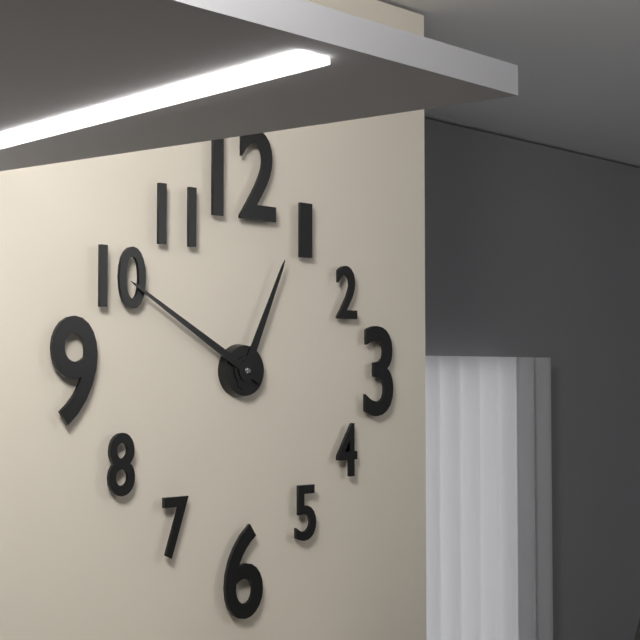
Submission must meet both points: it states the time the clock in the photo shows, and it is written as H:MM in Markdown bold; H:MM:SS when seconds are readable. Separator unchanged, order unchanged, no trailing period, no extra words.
**12:50**
